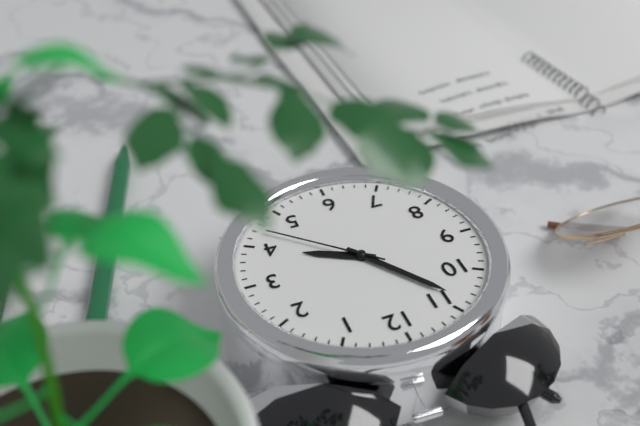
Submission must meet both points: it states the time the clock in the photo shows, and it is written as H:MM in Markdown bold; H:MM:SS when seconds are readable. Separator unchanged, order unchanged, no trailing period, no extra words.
**3:54:22**
